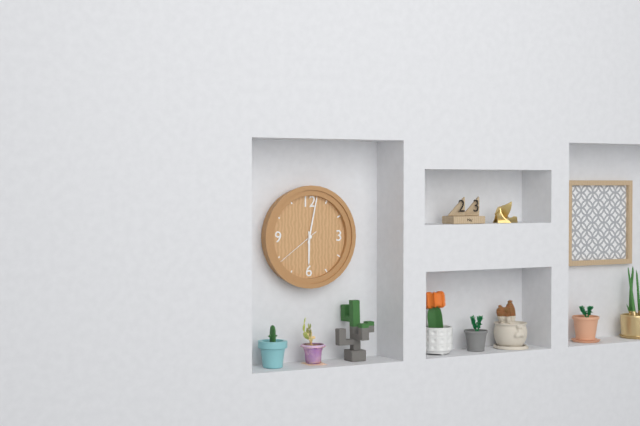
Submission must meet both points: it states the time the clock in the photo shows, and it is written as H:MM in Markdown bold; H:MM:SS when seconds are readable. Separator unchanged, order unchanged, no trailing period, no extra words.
**6:02:39**
